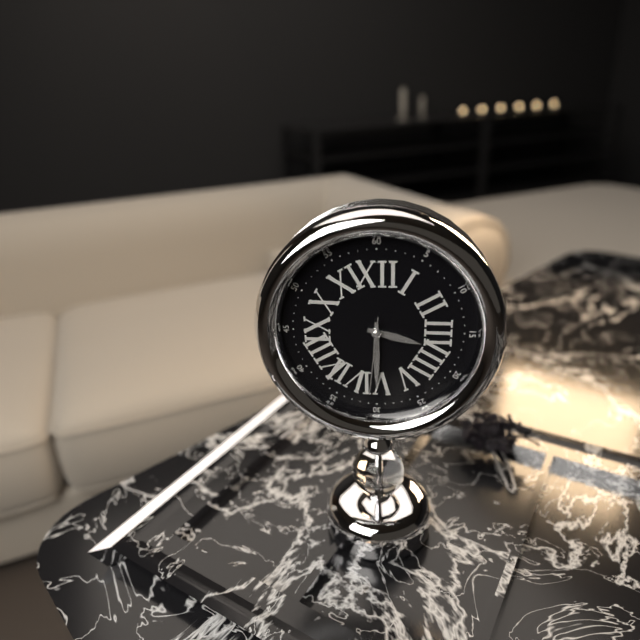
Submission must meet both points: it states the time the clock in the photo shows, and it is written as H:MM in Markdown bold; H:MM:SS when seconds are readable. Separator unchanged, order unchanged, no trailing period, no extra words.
**3:30:31**
